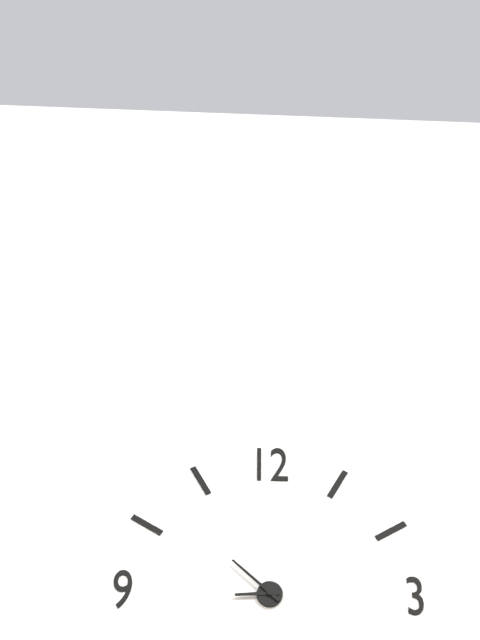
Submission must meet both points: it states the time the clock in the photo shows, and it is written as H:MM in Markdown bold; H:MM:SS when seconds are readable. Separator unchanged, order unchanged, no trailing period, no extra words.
**8:52**
